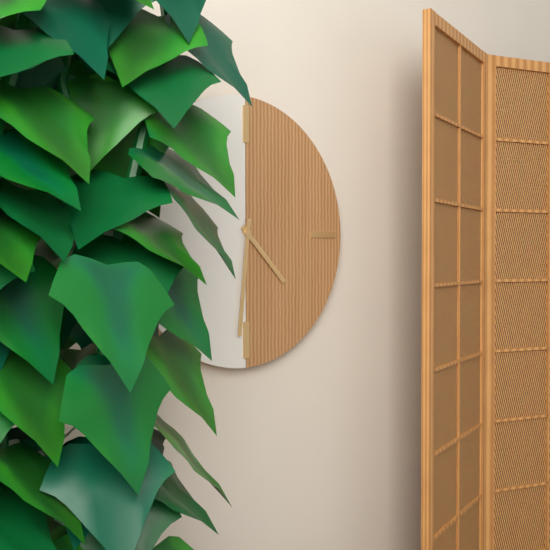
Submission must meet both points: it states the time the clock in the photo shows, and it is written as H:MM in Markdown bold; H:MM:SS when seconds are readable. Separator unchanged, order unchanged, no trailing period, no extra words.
**4:31**
